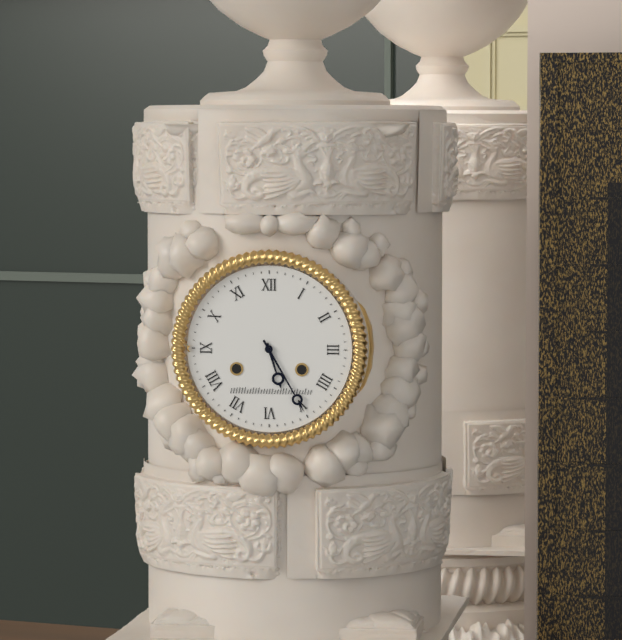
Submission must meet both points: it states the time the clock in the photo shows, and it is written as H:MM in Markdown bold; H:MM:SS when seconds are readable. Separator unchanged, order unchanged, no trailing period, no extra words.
**5:25**
